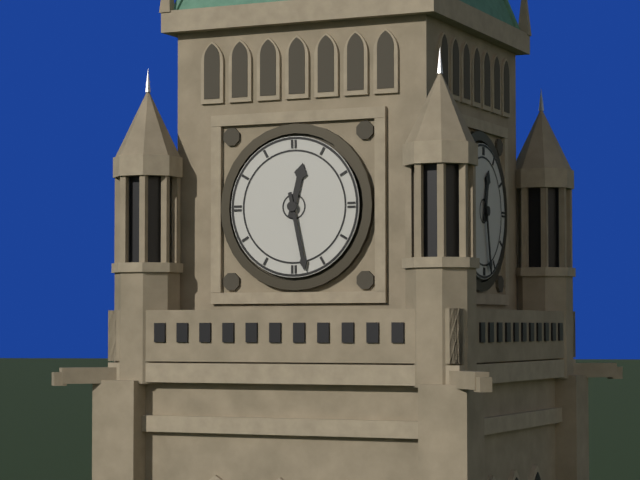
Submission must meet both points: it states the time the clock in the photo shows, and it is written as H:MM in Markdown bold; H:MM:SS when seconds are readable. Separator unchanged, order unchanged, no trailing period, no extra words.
**12:28**
